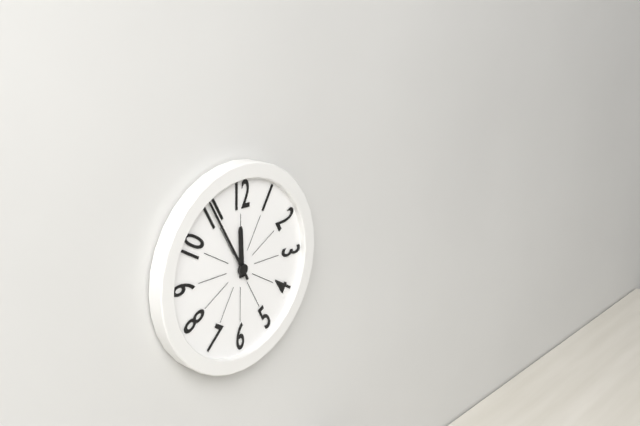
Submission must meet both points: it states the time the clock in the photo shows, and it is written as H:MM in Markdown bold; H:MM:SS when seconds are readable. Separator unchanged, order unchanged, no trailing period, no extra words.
**11:55**
